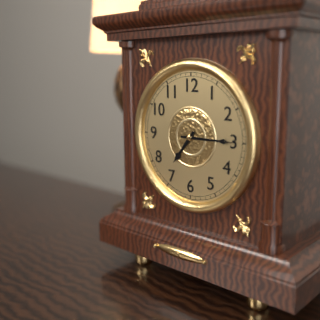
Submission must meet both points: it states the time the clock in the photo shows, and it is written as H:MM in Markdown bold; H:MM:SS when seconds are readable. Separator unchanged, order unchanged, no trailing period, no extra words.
**7:15**
